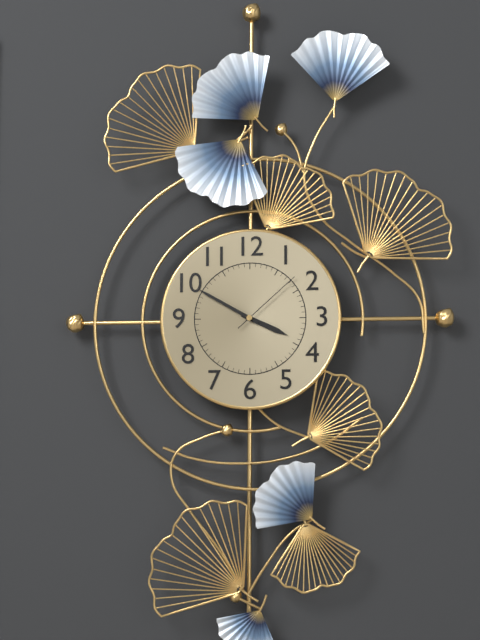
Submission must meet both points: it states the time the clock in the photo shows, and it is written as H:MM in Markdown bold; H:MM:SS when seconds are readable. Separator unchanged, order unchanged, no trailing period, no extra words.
**3:50:08**
